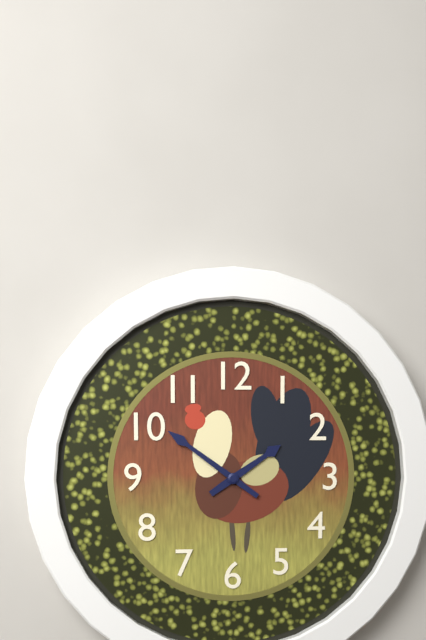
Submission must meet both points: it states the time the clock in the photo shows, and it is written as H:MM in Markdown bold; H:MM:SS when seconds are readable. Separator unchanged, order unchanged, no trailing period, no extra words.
**1:51**
